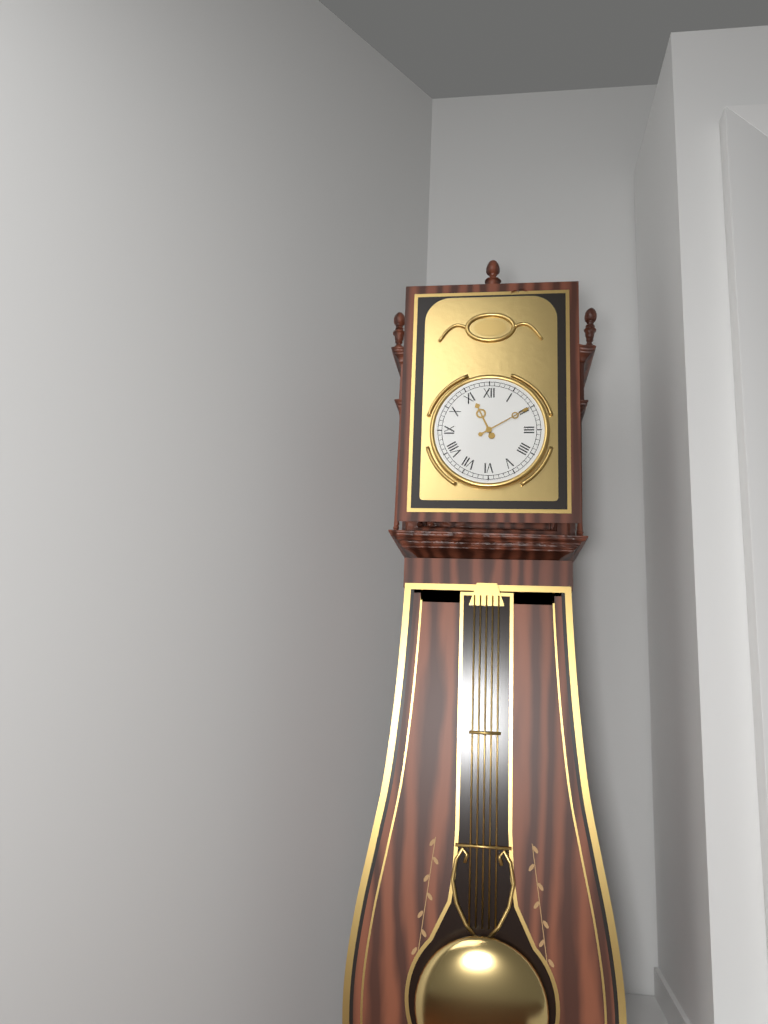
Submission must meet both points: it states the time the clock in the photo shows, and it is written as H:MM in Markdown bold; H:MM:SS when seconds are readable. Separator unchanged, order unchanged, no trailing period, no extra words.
**11:10**
